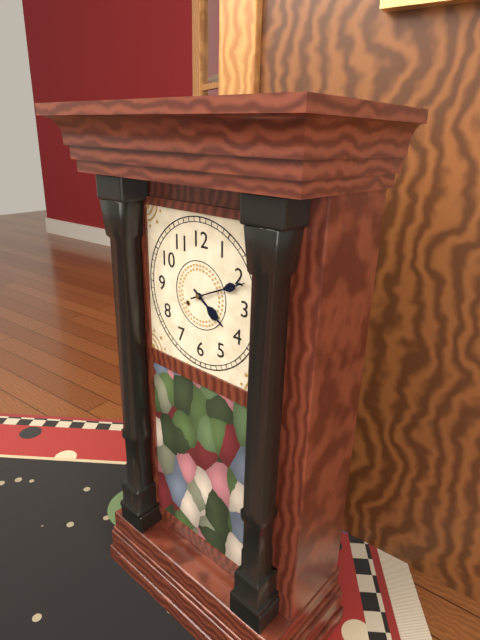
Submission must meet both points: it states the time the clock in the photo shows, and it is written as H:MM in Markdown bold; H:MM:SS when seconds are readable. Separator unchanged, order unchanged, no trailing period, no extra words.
**4:11**
